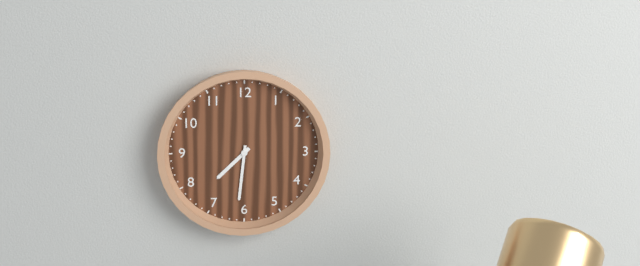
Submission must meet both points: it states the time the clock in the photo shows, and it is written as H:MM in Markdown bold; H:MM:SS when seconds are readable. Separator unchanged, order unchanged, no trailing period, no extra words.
**7:31**
